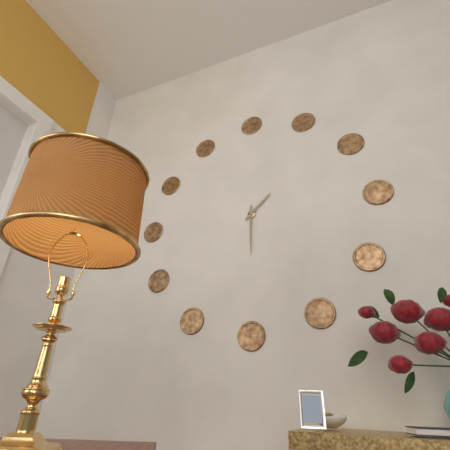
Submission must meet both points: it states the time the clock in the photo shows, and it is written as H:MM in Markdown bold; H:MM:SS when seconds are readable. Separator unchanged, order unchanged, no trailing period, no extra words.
**1:30**
